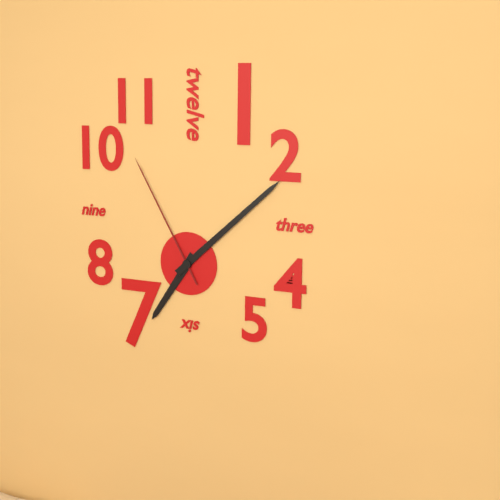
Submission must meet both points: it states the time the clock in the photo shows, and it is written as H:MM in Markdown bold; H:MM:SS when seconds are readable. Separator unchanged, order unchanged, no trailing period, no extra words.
**7:08:55**
